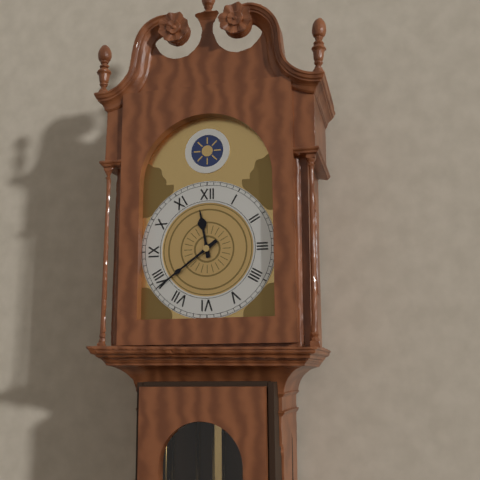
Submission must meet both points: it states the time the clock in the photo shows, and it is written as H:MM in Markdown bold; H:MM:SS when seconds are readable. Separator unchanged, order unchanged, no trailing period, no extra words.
**11:39**
